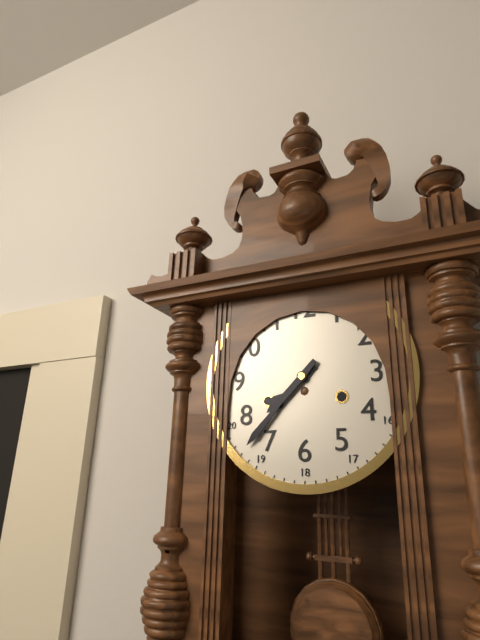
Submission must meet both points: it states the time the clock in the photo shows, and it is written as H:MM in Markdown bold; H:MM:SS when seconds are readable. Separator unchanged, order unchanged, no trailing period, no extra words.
**7:37**
